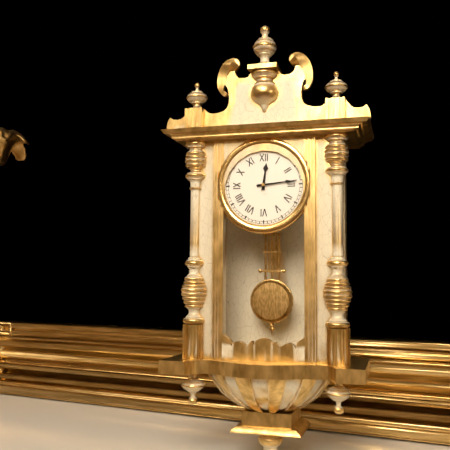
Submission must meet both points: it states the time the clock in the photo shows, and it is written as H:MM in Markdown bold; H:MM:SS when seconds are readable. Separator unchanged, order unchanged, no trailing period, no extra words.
**12:14**
